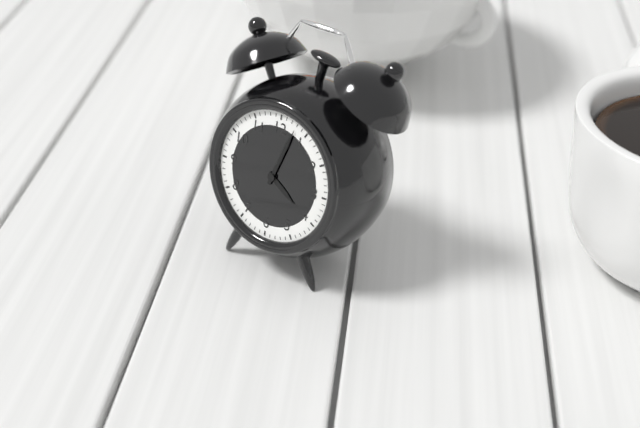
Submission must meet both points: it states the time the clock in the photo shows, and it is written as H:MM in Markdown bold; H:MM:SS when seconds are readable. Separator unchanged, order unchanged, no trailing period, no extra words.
**4:03**
